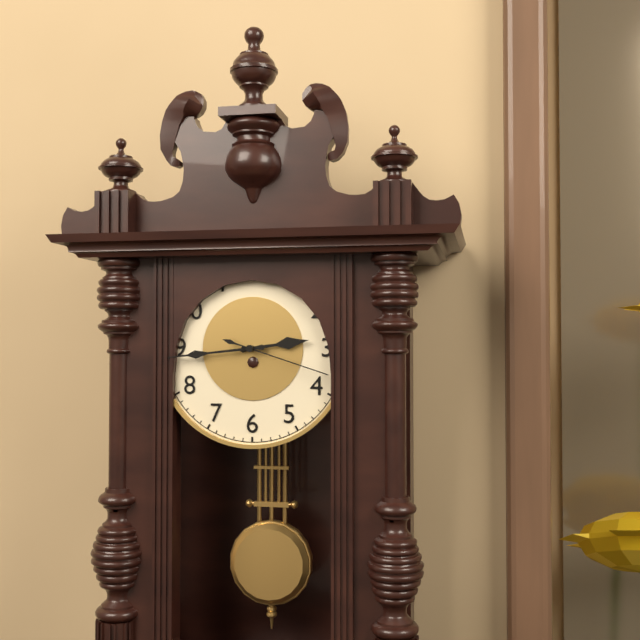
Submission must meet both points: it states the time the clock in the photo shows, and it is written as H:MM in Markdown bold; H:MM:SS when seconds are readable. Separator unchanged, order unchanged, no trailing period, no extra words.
**2:44:18**
